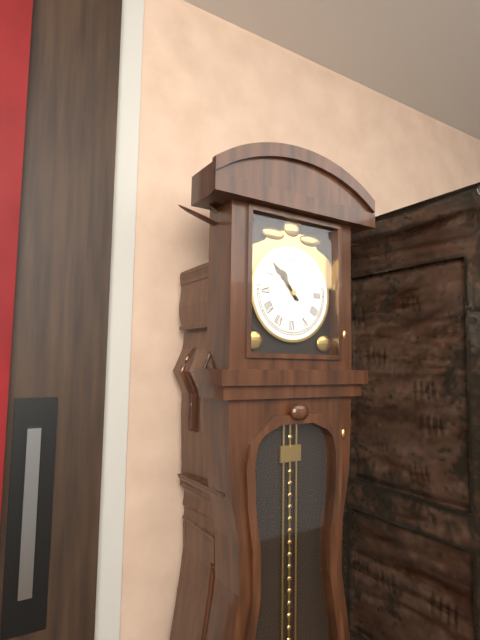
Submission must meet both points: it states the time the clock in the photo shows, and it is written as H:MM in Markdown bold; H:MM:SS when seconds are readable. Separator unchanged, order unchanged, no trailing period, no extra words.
**10:53**
